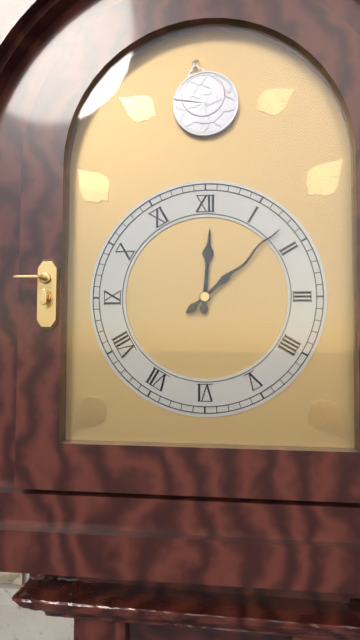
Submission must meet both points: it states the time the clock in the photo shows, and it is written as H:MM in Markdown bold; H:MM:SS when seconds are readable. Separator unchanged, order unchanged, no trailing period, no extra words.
**12:08**
